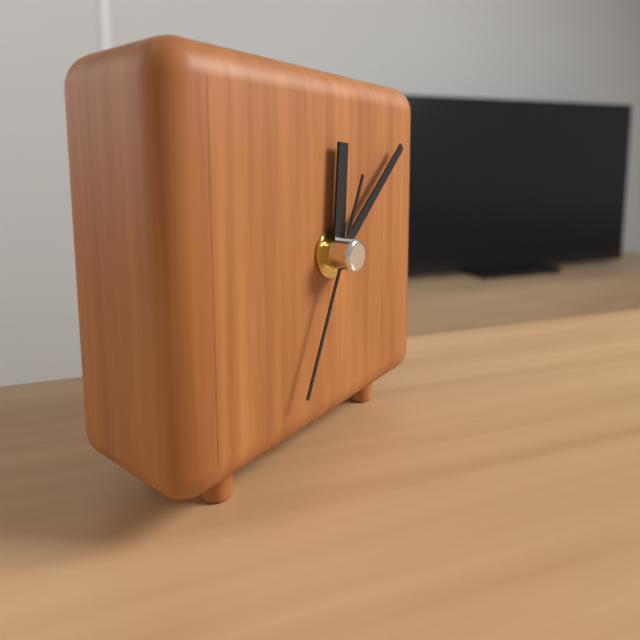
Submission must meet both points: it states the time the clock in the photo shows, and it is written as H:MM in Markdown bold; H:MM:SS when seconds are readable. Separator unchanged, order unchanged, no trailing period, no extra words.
**12:08:34**
